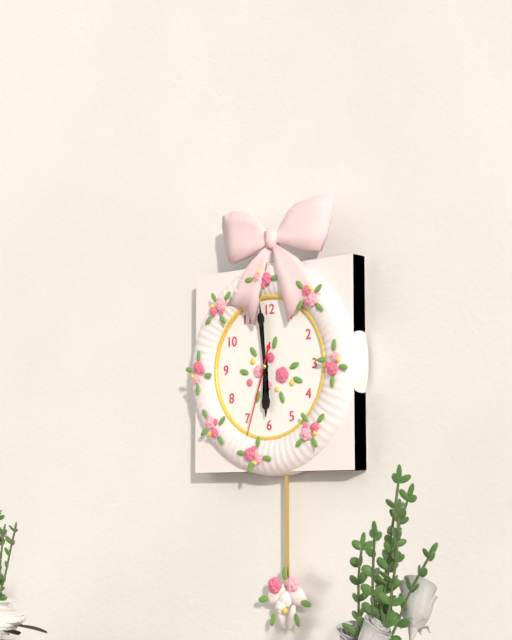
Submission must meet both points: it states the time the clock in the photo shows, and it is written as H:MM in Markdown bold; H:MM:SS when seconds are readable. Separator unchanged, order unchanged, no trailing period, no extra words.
**5:59:33**
